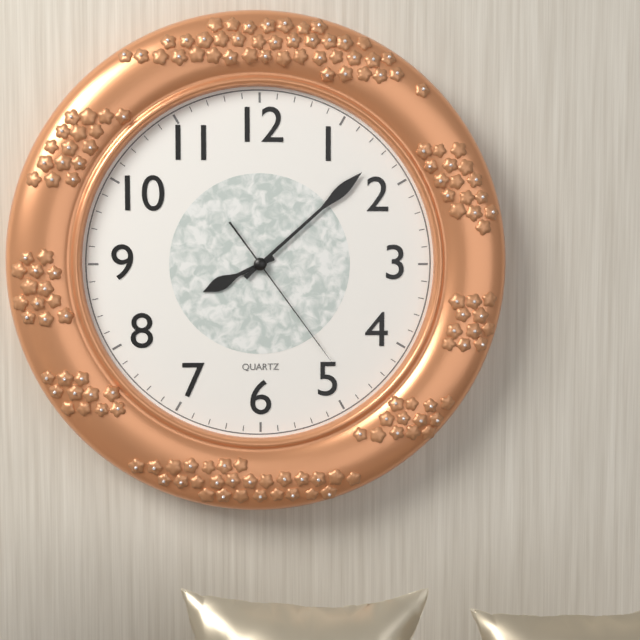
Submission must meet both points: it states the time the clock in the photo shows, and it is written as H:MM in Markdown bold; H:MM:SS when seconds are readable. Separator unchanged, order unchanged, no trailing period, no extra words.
**8:08:24**
